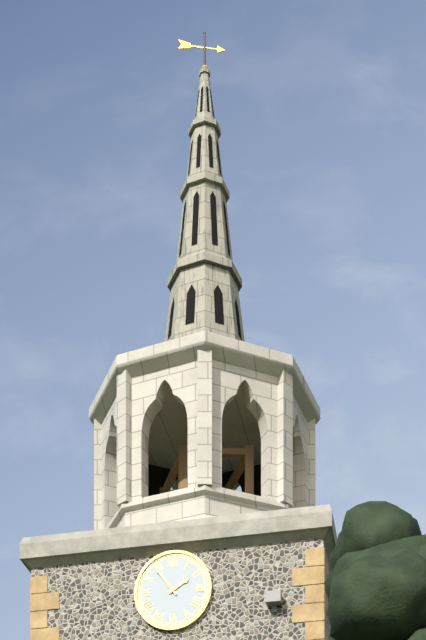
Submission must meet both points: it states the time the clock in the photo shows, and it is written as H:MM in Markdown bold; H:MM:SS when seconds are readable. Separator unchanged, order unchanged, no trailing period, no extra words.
**1:54**
